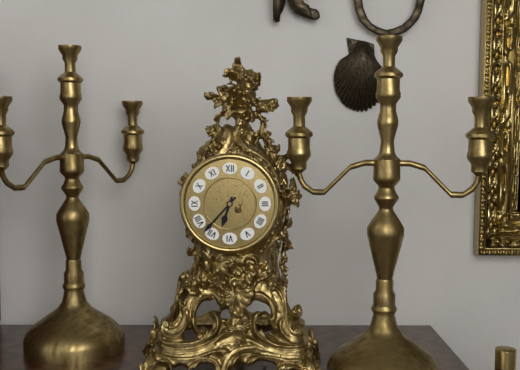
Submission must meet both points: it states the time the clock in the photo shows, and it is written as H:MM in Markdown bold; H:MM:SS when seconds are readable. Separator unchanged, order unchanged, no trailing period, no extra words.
**6:37**
